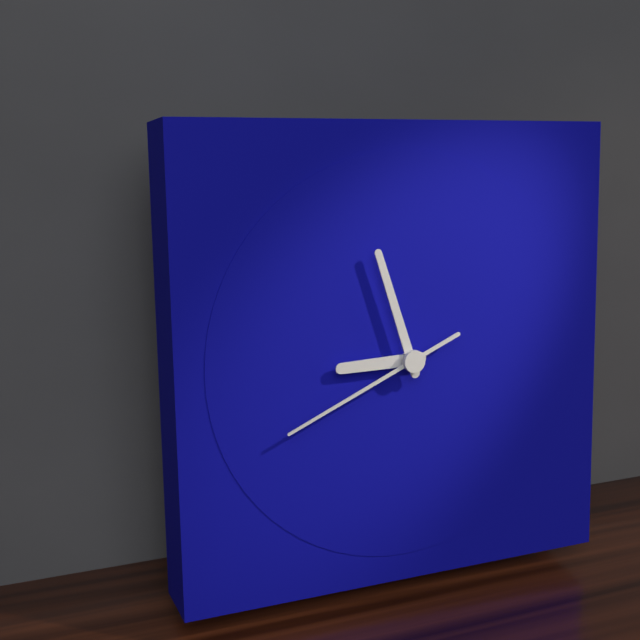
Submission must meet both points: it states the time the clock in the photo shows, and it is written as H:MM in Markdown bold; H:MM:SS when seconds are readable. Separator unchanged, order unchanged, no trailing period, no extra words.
**8:57:41**
